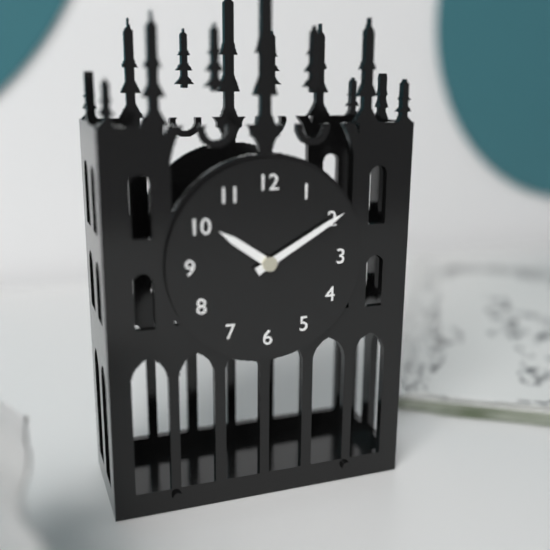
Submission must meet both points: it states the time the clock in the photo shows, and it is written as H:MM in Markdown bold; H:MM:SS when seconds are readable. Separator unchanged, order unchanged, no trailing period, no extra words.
**10:10**
